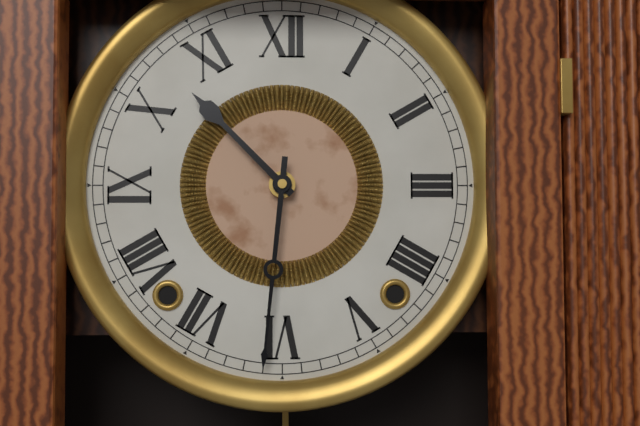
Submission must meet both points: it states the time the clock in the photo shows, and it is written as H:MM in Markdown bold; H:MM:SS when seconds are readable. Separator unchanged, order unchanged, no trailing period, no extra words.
**10:31**
